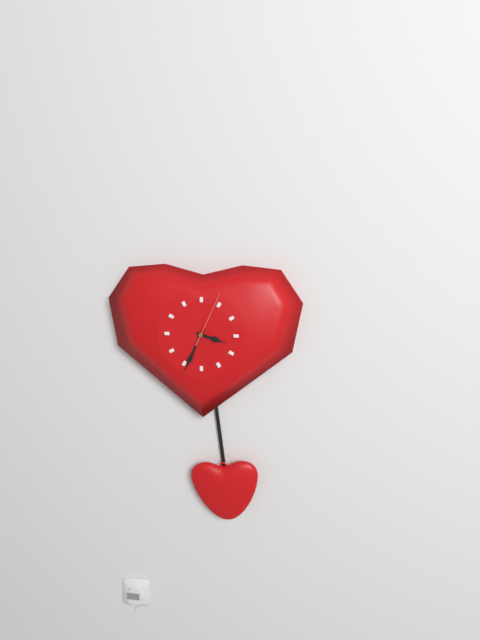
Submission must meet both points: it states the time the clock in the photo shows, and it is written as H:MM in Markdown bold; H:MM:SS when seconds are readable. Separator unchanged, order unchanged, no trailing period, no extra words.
**3:34:04**
